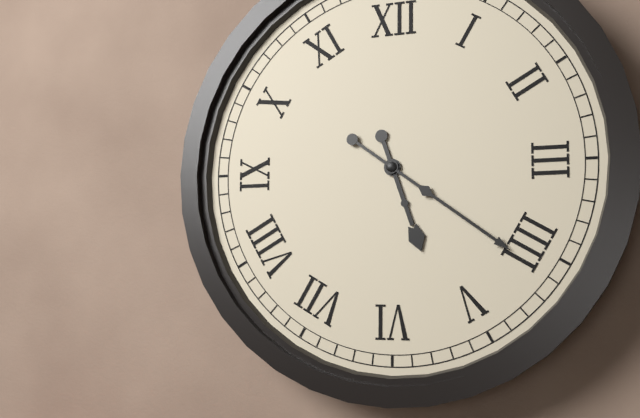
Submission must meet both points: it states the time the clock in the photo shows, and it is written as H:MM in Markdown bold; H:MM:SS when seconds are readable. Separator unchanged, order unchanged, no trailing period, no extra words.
**5:21**
